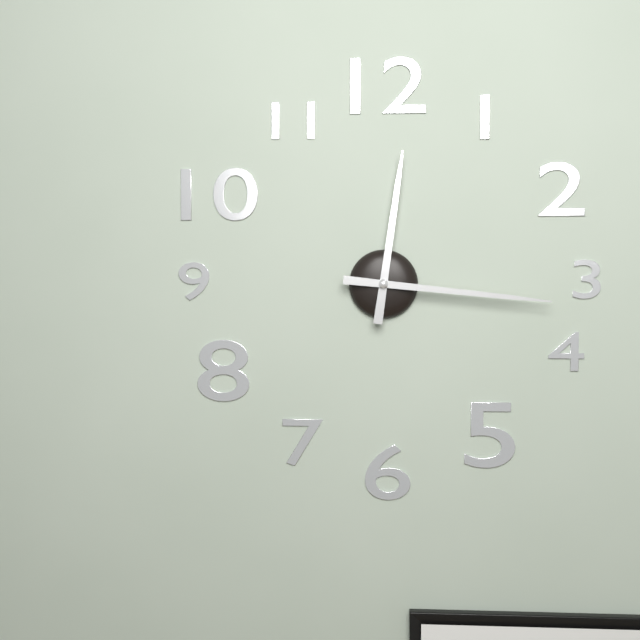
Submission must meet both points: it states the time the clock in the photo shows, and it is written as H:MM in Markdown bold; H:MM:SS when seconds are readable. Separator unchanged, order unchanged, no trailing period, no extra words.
**12:16**
